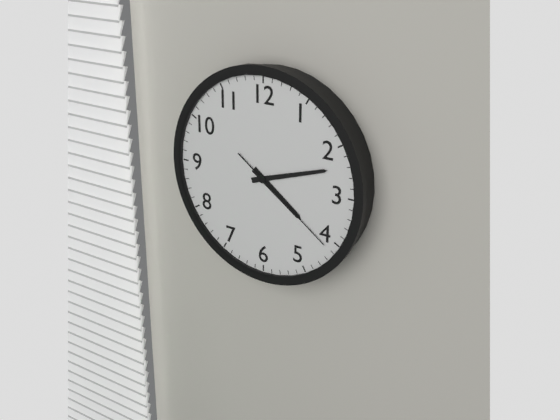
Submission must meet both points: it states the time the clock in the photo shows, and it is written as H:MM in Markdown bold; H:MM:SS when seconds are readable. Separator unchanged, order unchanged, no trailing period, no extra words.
**4:12:21**
